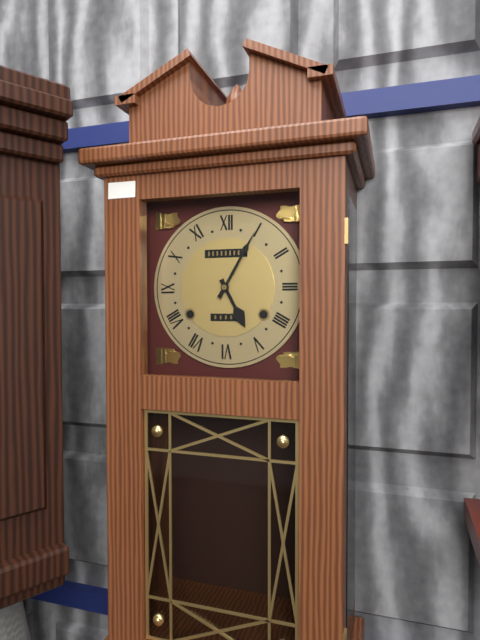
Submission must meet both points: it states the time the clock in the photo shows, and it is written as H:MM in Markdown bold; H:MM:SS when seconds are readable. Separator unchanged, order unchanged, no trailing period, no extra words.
**5:05**
